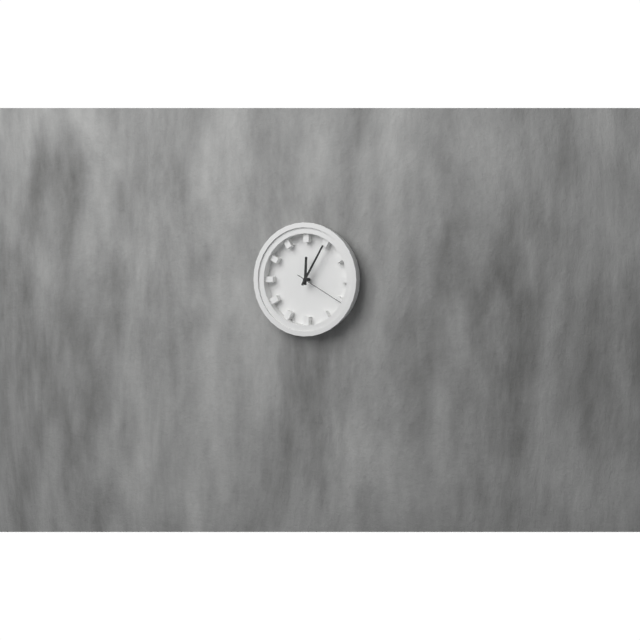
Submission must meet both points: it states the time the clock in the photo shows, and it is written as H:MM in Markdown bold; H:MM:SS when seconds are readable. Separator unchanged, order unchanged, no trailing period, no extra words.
**12:05:20**
